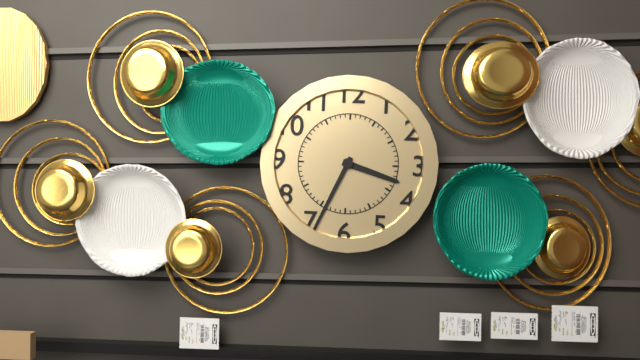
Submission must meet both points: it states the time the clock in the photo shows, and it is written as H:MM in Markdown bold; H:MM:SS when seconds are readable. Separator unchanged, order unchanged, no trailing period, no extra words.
**3:34**
